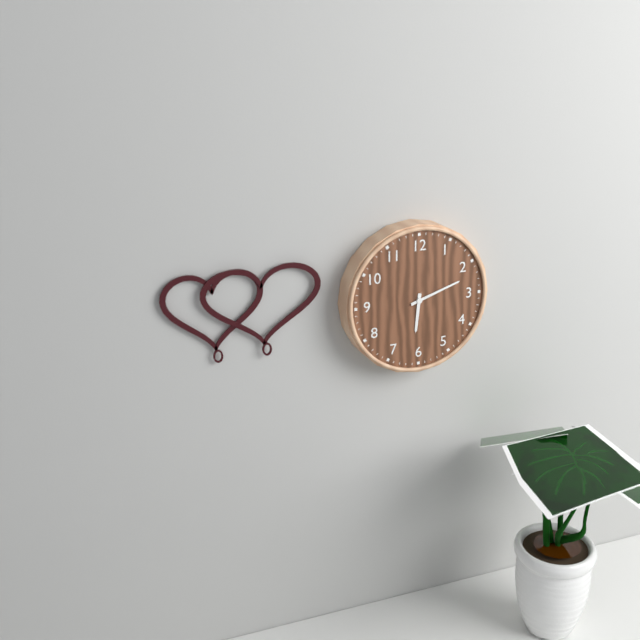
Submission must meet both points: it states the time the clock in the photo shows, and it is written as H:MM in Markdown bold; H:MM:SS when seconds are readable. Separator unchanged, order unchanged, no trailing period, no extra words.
**6:12**
